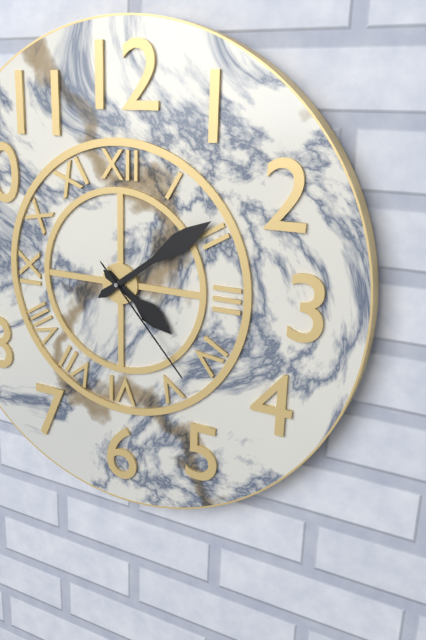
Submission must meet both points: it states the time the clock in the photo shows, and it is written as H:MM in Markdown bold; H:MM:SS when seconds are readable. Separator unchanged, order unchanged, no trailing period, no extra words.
**4:09:23**
